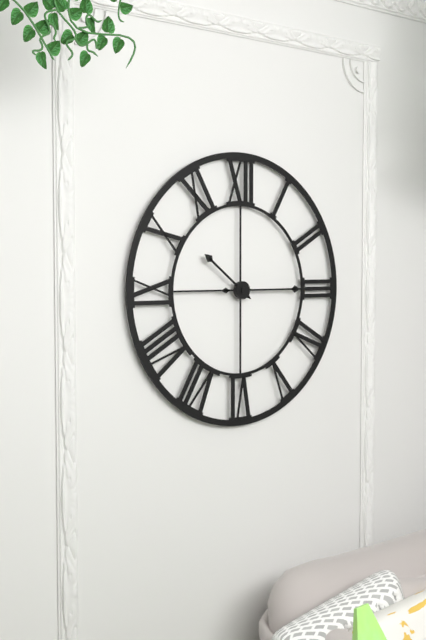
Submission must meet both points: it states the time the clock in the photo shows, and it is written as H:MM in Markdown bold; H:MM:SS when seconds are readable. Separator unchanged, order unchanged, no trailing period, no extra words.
**10:15**
